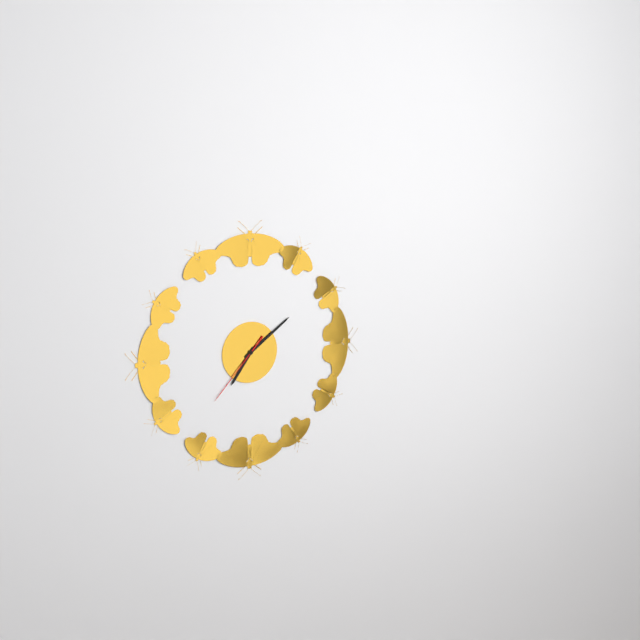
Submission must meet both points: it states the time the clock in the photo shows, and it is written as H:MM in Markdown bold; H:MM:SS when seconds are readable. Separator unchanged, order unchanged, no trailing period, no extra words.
**7:09:37**
